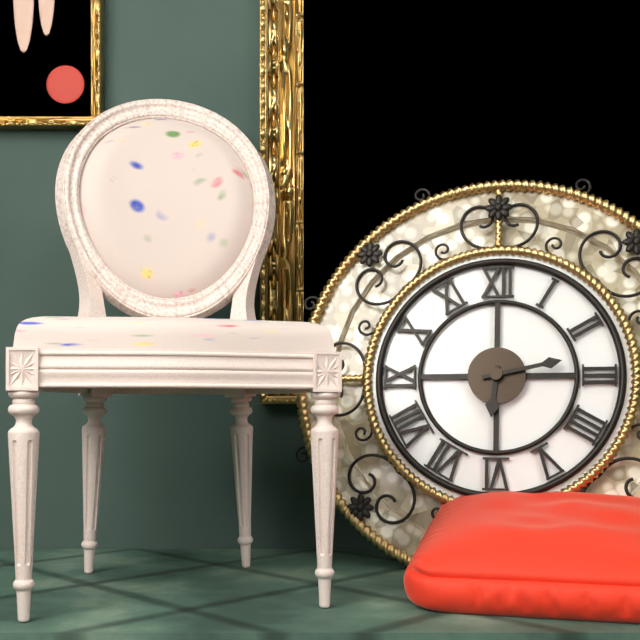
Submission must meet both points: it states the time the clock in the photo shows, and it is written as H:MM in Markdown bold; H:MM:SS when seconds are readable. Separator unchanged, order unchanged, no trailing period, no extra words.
**6:13**
